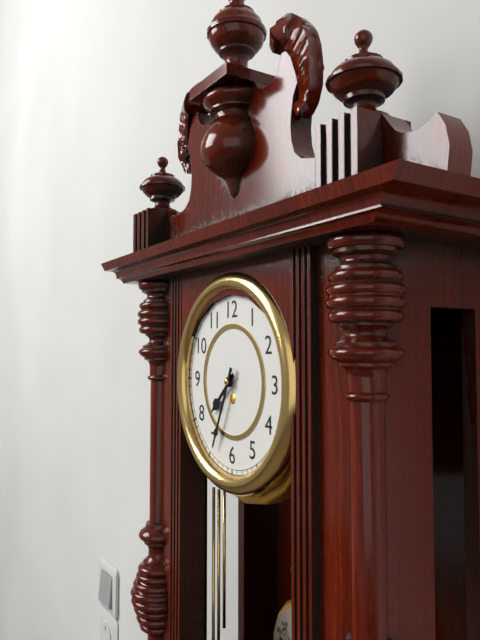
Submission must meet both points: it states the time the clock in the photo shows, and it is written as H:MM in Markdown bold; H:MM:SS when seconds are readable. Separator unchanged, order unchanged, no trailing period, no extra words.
**7:34**
